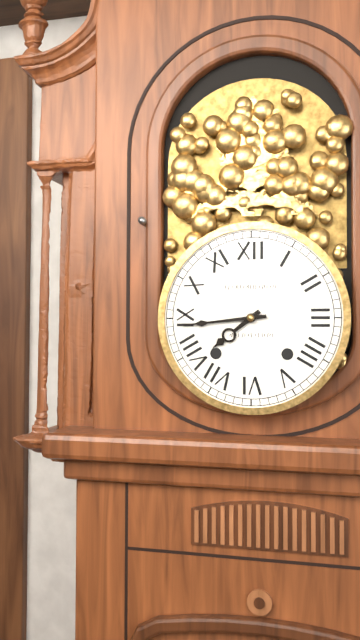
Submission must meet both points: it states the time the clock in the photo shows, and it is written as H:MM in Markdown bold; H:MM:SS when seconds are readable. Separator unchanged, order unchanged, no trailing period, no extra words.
**7:44**
